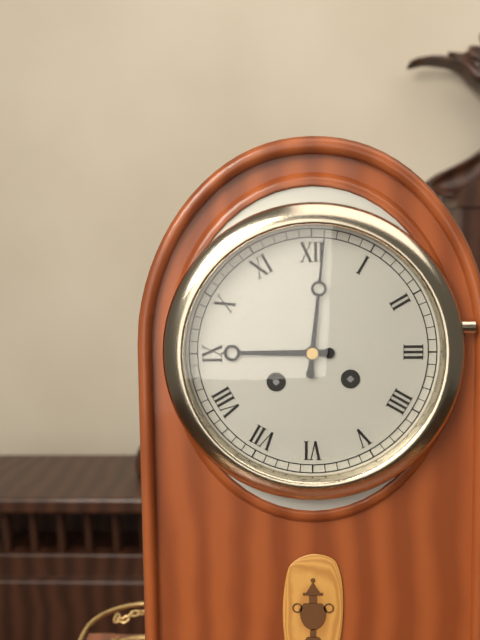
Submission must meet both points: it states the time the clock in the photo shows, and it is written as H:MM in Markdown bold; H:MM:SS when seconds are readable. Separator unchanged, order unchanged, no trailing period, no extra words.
**9:01**
